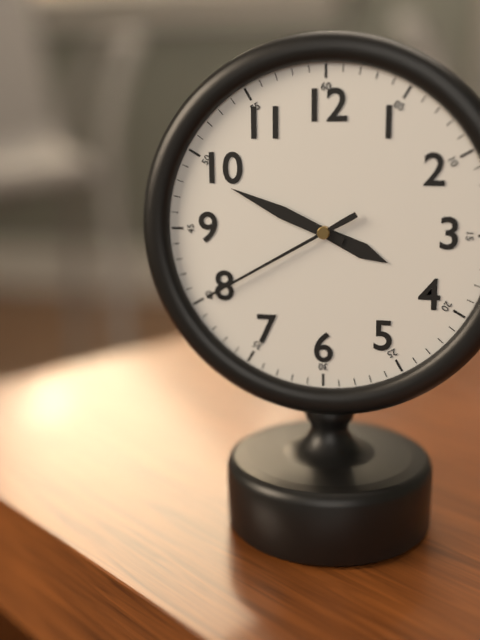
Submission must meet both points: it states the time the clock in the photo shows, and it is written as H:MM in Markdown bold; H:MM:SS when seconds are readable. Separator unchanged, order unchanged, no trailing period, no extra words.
**3:49:40**
